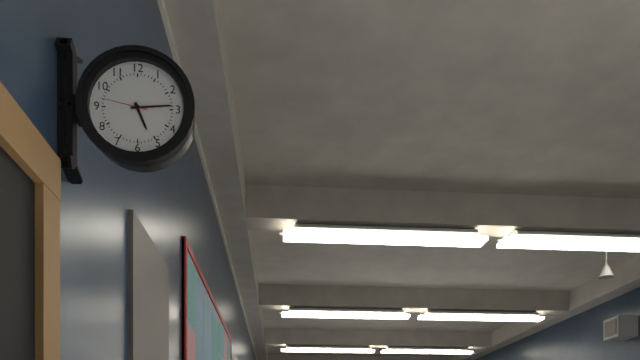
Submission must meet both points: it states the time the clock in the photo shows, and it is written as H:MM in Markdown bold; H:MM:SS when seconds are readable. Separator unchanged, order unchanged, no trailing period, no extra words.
**5:14**
